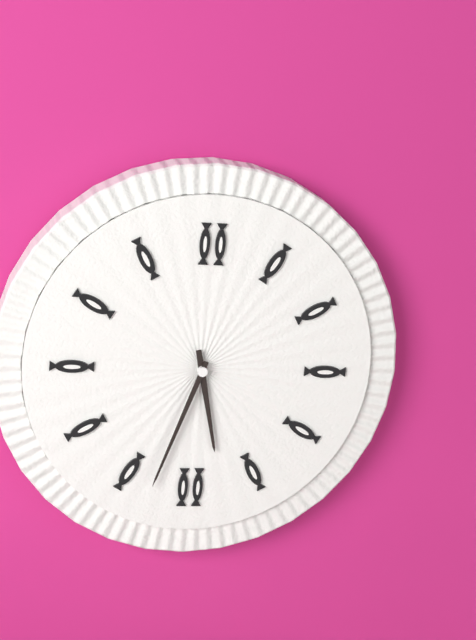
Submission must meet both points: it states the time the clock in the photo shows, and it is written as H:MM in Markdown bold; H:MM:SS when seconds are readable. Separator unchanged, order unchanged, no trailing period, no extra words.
**5:33**
